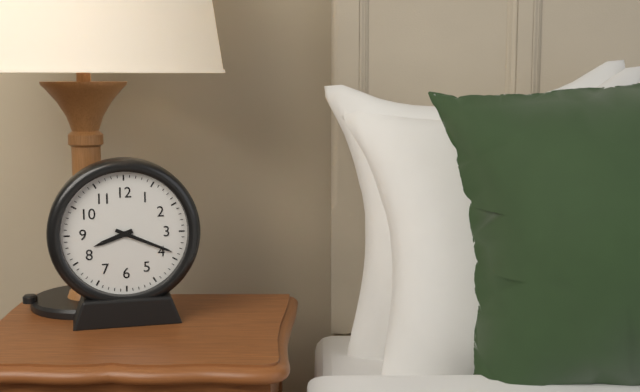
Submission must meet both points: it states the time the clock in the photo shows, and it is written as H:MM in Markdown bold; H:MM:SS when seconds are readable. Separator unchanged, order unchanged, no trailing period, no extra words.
**8:19**
